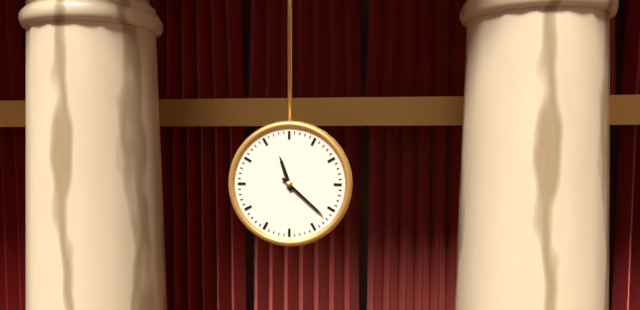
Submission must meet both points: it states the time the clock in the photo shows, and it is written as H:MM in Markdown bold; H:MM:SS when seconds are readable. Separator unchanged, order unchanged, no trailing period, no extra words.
**11:22**
